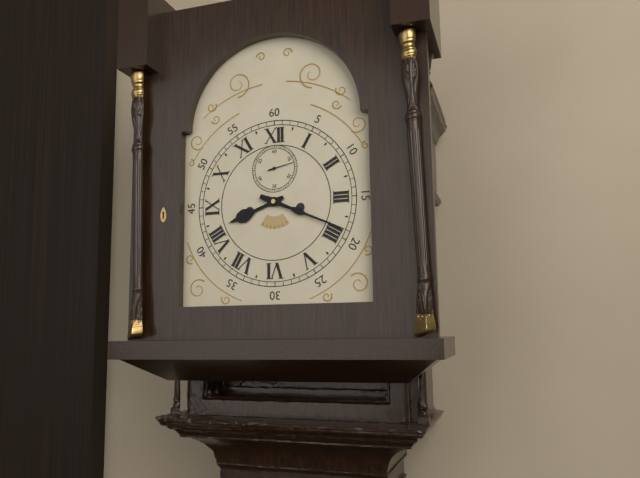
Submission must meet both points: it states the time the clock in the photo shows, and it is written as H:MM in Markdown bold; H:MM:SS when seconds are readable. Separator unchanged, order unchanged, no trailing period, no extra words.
**8:19**
